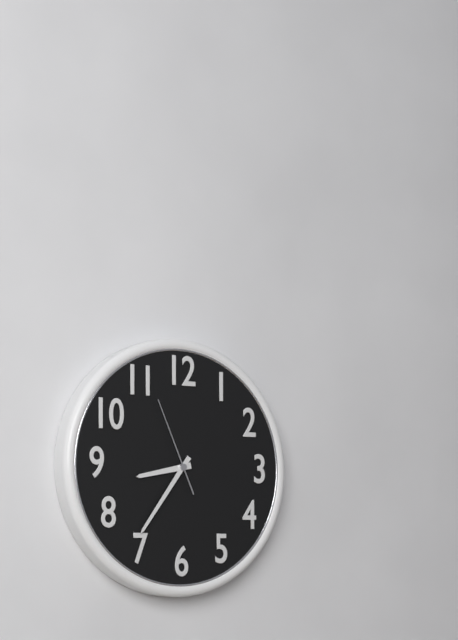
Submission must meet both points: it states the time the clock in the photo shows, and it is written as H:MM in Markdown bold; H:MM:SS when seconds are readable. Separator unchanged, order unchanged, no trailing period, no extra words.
**8:36:56**
